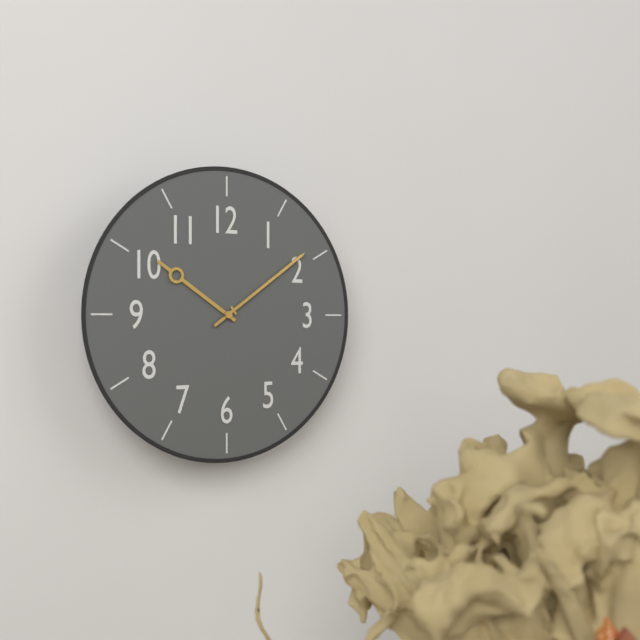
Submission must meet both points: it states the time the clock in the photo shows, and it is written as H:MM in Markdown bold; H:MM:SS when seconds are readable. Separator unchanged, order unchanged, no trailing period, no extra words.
**10:09**
